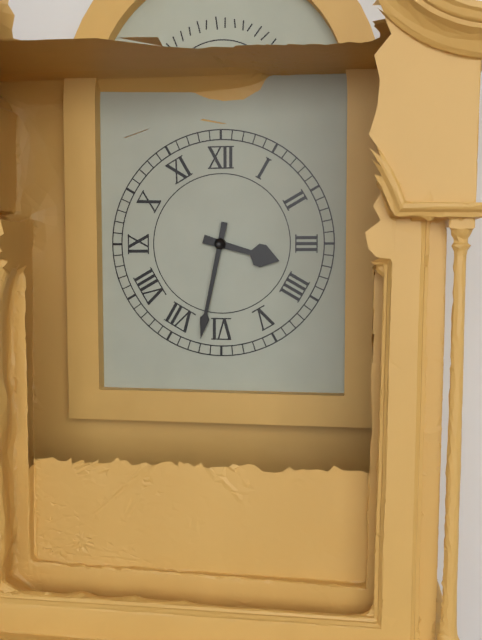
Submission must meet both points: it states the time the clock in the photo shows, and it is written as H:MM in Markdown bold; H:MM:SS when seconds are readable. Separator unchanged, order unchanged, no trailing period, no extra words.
**3:32**
